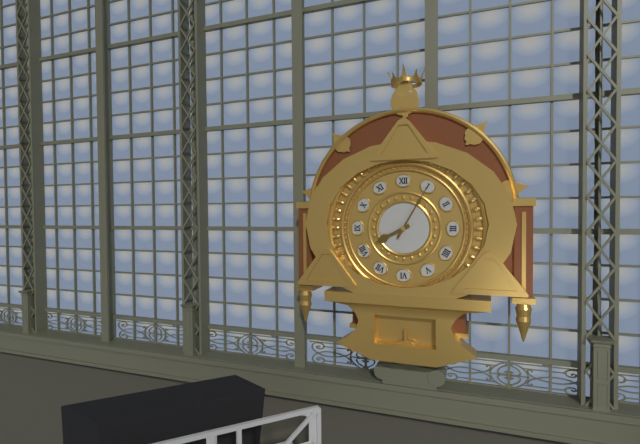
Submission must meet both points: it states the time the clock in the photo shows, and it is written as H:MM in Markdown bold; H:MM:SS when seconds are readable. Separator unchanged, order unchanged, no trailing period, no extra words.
**8:05**
